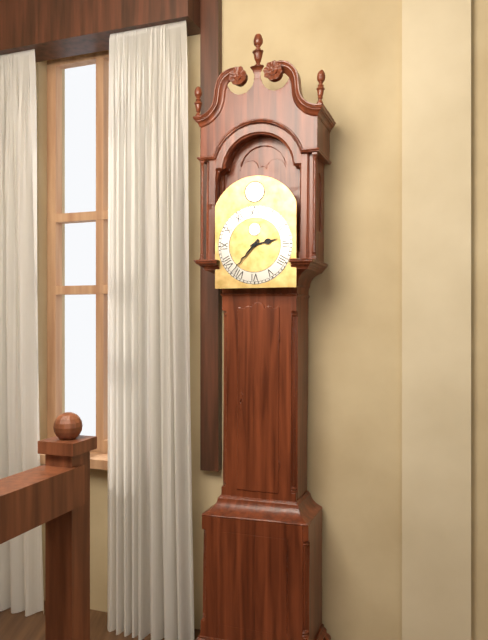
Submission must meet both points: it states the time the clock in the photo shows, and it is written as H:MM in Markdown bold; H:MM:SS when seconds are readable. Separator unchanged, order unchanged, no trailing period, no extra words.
**2:37**
